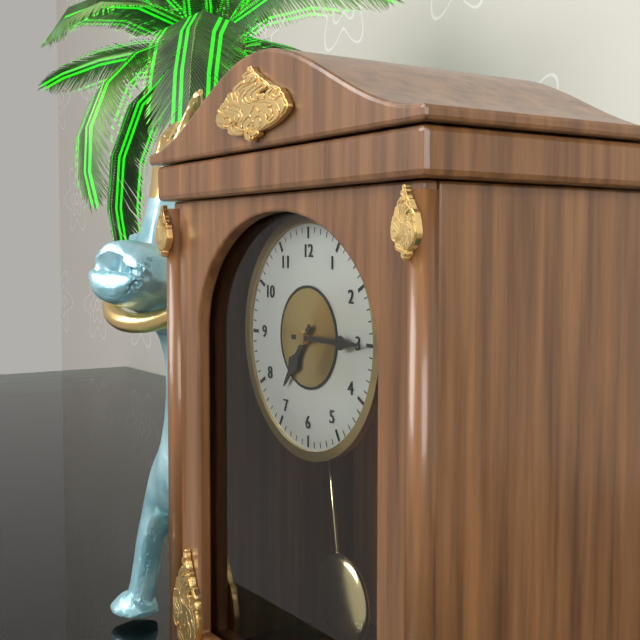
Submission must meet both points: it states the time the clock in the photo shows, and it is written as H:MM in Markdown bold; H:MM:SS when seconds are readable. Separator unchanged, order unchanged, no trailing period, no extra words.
**7:15**
